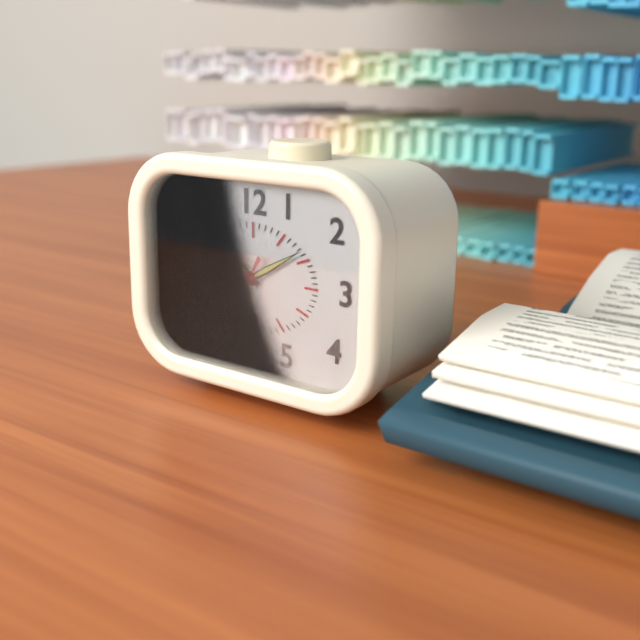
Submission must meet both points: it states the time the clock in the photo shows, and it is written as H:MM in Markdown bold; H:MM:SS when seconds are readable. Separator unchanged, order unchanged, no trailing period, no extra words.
**10:10:35**
